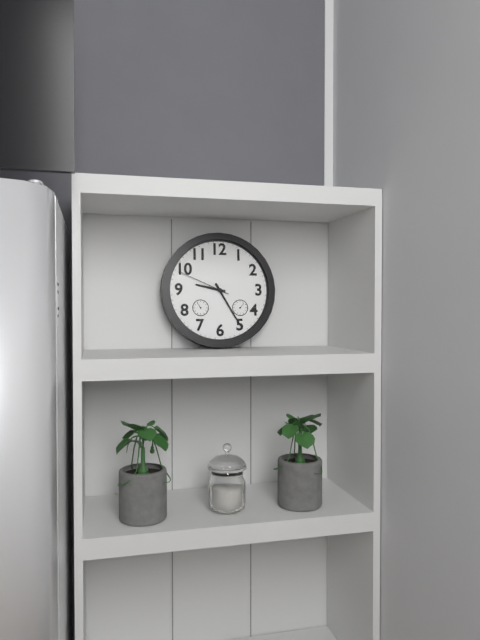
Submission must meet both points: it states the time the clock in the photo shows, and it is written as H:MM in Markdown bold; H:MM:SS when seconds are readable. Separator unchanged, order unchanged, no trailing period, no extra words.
**9:25:49**
